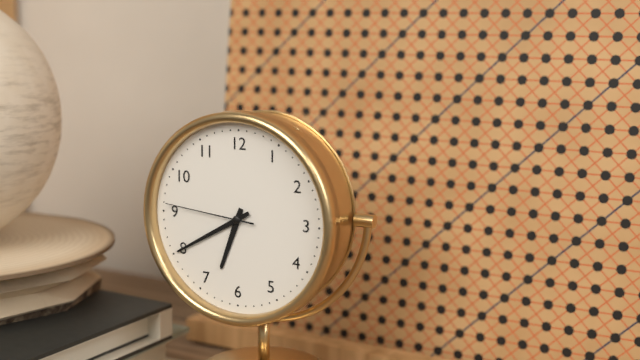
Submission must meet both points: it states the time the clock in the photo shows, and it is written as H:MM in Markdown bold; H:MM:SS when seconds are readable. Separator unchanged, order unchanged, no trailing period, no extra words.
**6:40:46**
